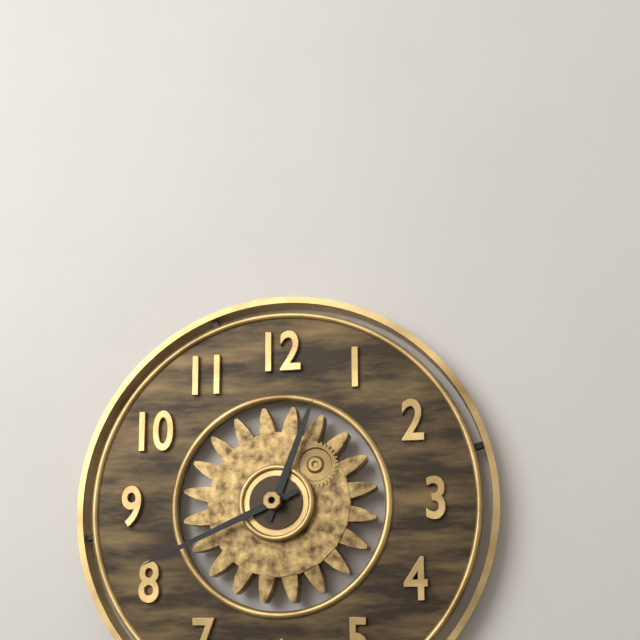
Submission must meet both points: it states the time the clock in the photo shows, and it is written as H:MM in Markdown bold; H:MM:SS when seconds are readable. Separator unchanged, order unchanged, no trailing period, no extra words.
**12:41**
